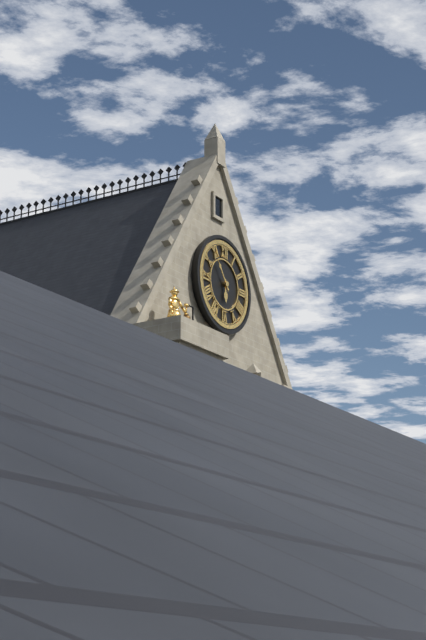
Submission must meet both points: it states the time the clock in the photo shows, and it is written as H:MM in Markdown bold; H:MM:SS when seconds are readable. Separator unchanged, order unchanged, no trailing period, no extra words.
**5:54**
